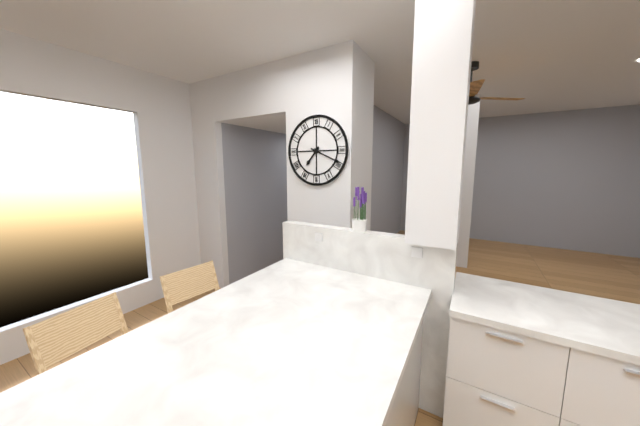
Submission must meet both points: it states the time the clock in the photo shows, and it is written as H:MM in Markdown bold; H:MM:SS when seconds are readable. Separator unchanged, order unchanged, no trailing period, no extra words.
**7:19**
